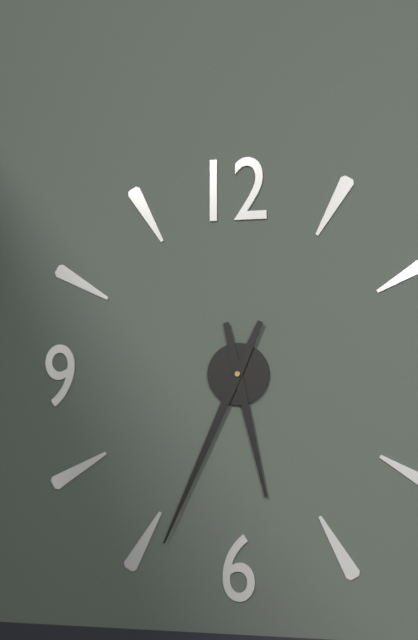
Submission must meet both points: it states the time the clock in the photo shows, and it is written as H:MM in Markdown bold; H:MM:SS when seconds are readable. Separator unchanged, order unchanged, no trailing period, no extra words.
**5:34**
